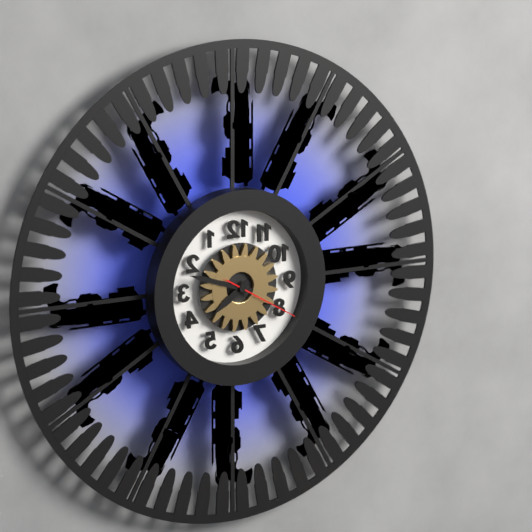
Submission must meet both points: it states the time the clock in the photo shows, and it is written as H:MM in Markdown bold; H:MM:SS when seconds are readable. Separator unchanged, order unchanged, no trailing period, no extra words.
**7:48:20**
